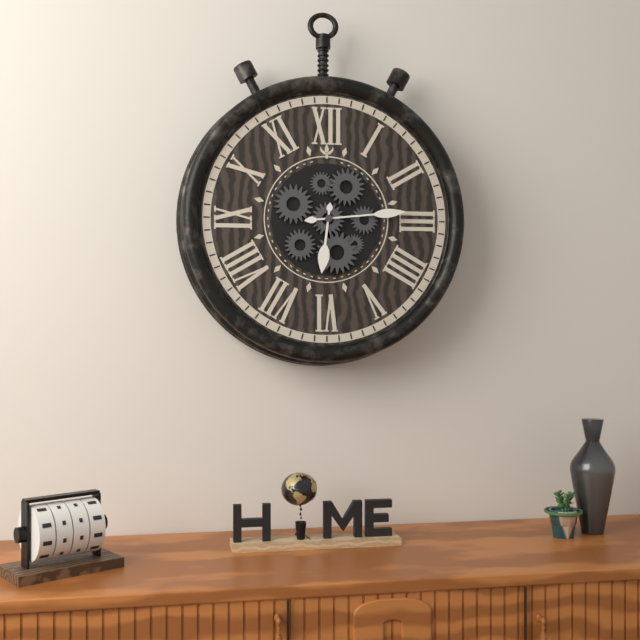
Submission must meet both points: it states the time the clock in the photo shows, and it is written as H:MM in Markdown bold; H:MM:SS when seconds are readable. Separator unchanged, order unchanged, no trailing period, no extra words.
**6:14**
